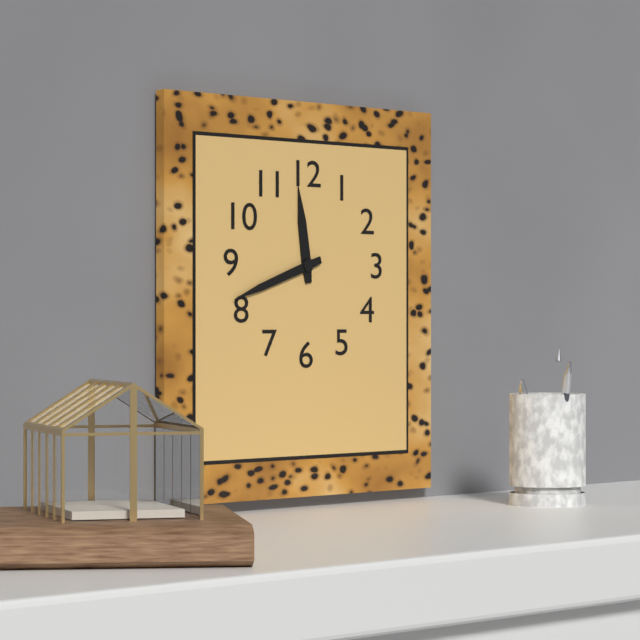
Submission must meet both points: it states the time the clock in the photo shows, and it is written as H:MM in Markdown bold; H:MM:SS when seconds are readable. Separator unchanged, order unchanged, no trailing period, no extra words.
**11:42**
